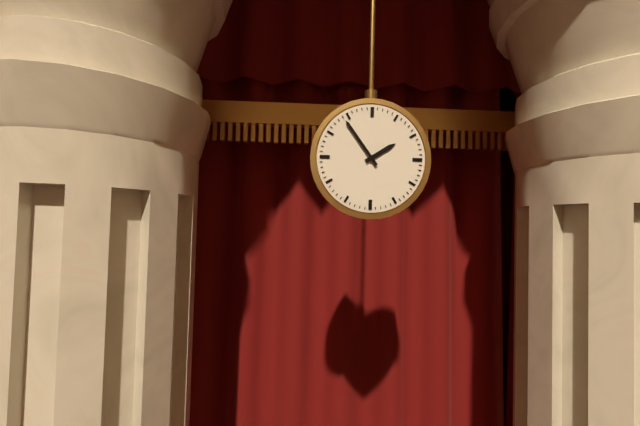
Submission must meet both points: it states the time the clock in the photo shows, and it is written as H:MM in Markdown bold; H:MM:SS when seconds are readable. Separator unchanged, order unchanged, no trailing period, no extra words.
**1:54**
